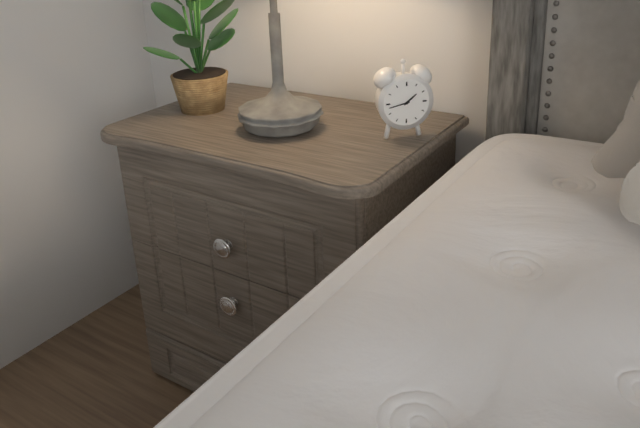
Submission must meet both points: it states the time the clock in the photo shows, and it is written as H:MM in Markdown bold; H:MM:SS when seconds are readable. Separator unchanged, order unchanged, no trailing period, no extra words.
**1:43**
